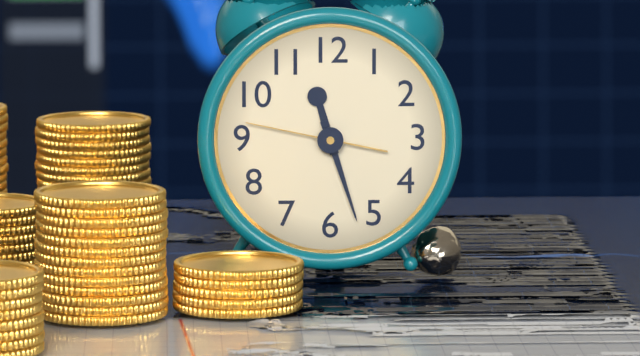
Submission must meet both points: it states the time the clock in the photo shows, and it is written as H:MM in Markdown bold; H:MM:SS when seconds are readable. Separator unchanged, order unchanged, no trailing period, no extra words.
**11:27:47**
